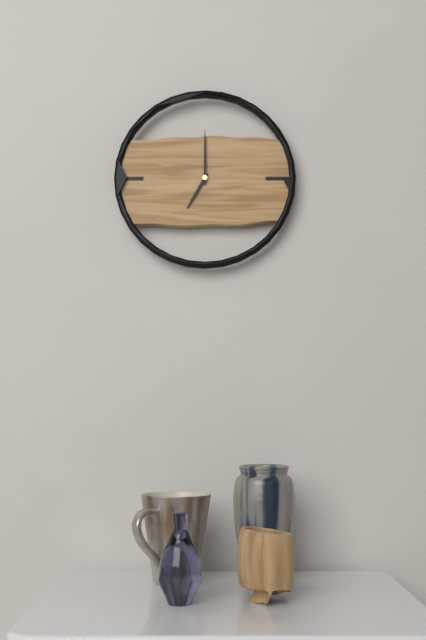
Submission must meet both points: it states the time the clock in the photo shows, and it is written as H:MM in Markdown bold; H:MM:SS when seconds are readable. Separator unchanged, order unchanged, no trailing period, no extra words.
**7:00**
